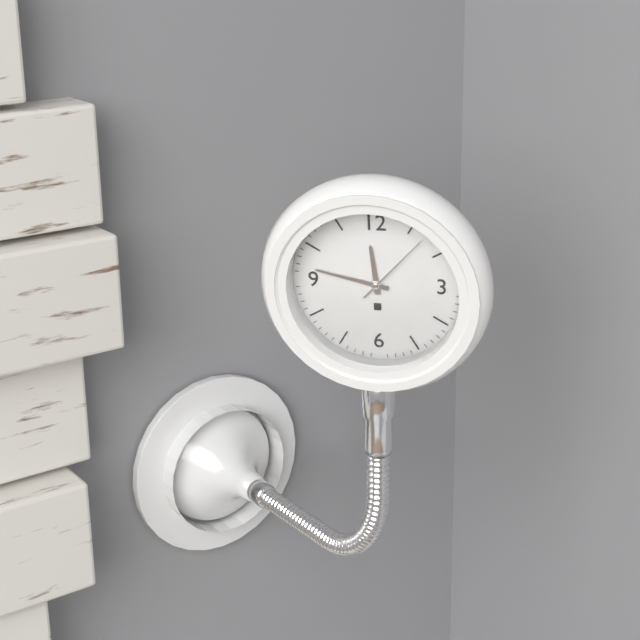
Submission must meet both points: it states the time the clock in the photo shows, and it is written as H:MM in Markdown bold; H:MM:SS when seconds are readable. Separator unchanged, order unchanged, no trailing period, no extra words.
**11:47:07**
